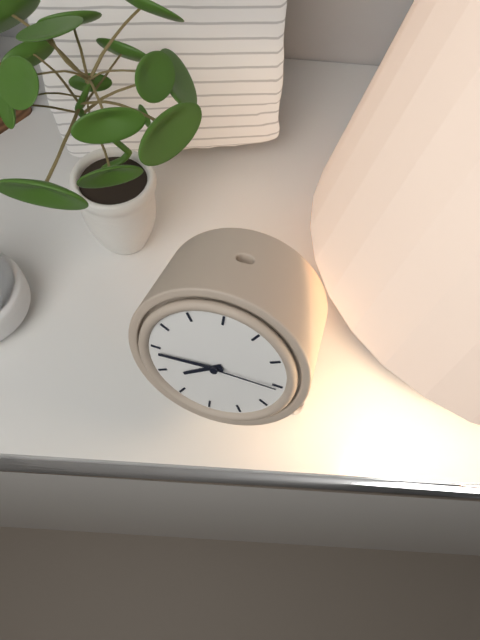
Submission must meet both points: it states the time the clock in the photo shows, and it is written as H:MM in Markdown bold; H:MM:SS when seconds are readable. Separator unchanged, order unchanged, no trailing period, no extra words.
**7:44:15**
